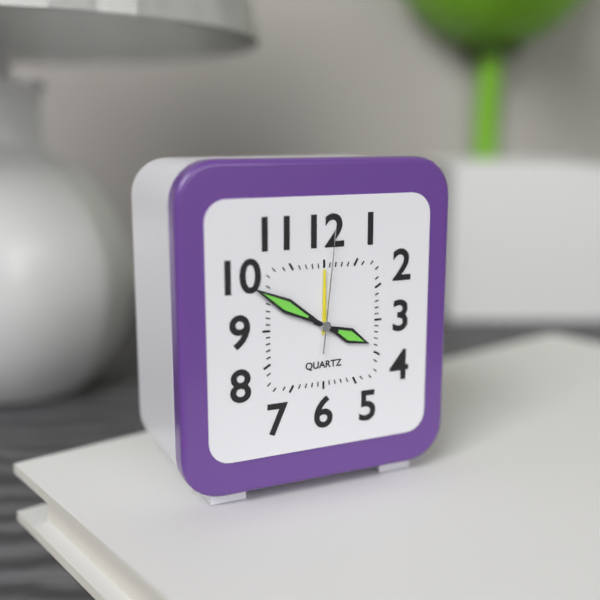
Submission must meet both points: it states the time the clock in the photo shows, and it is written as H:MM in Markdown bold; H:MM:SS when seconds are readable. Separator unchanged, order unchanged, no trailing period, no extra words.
**3:50:01**
